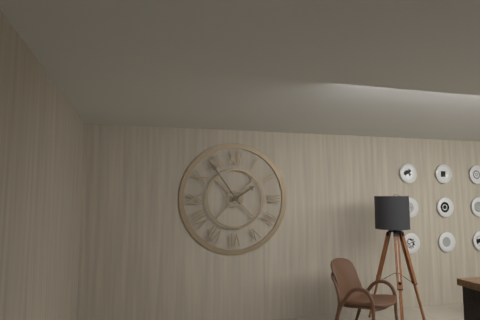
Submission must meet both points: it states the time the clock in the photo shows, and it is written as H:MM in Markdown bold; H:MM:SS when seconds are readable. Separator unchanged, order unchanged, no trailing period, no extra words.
**1:54**
